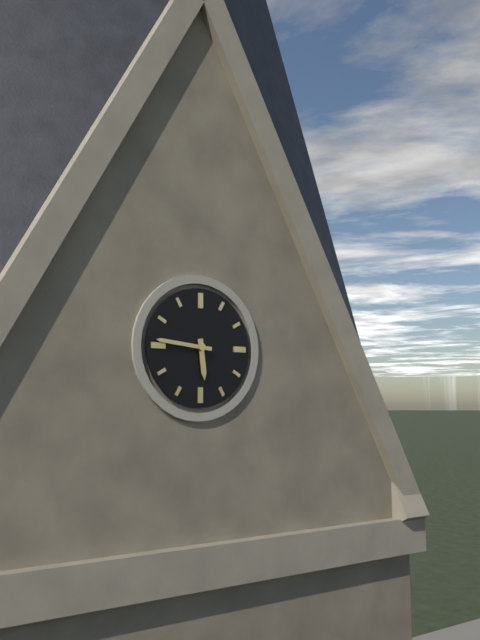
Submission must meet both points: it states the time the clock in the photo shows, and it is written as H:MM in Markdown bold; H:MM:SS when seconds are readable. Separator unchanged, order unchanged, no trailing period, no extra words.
**5:46**
